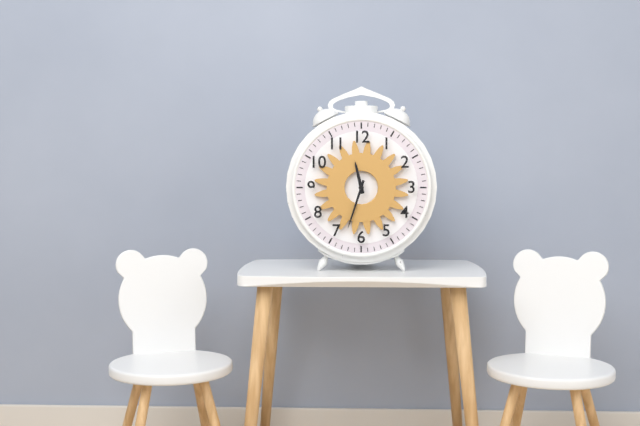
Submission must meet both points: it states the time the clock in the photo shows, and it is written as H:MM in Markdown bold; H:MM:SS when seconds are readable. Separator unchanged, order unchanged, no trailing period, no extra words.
**11:33**
